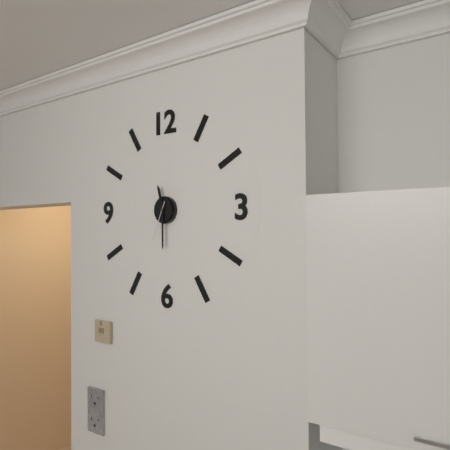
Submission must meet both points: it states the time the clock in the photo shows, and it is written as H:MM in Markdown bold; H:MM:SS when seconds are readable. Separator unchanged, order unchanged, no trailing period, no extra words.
**11:30**
